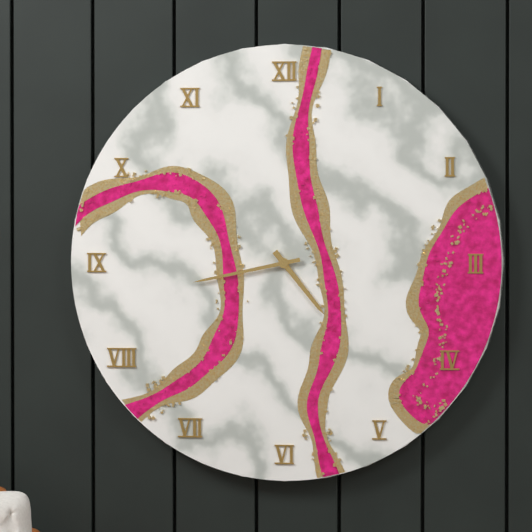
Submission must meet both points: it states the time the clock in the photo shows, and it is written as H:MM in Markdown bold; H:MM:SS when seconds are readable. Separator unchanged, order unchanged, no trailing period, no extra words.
**4:43**
